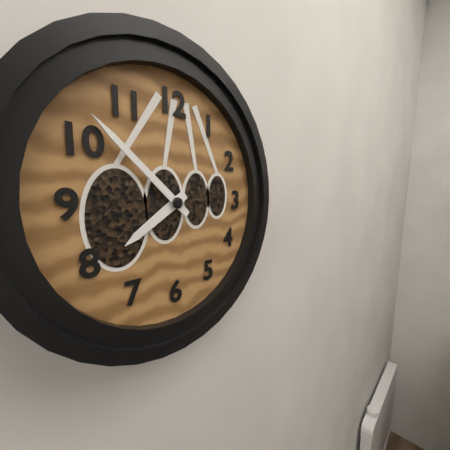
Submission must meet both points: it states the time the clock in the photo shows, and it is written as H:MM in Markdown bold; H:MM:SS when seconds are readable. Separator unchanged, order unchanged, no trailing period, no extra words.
**7:52**
